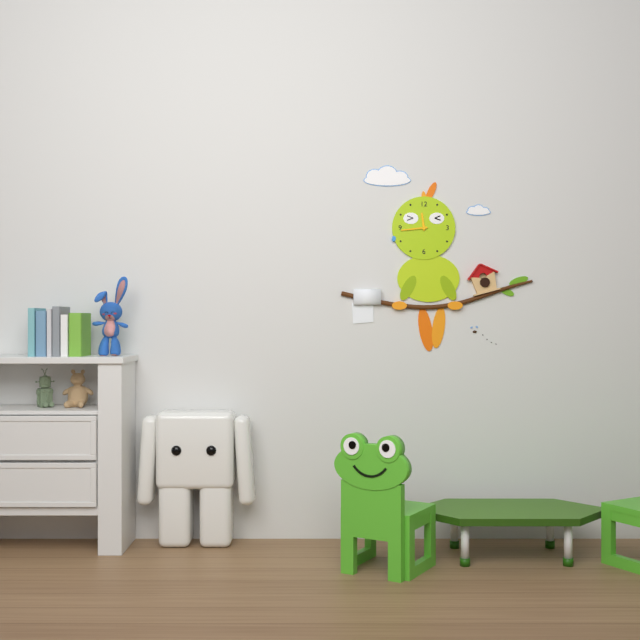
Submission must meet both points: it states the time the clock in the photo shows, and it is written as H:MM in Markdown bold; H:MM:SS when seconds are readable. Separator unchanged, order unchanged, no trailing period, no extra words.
**11:44**
